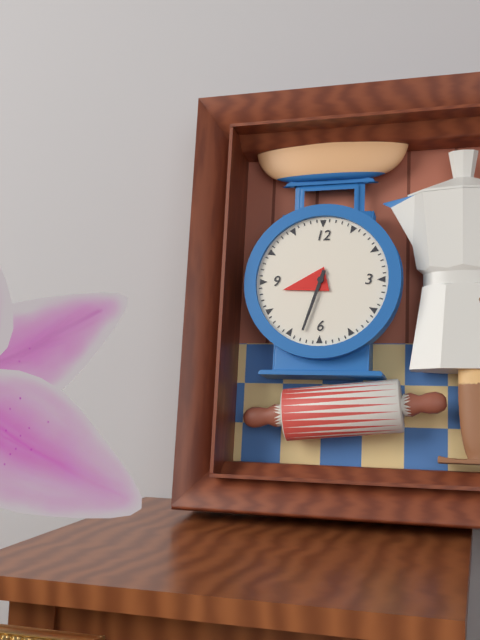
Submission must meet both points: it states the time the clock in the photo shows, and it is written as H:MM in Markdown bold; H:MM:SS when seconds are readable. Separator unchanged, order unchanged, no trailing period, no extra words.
**8:33**
